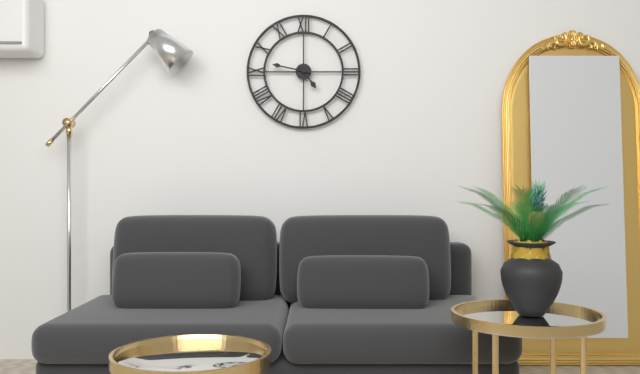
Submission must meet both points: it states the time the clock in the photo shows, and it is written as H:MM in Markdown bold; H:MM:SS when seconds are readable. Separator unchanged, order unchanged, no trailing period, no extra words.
**4:47**
